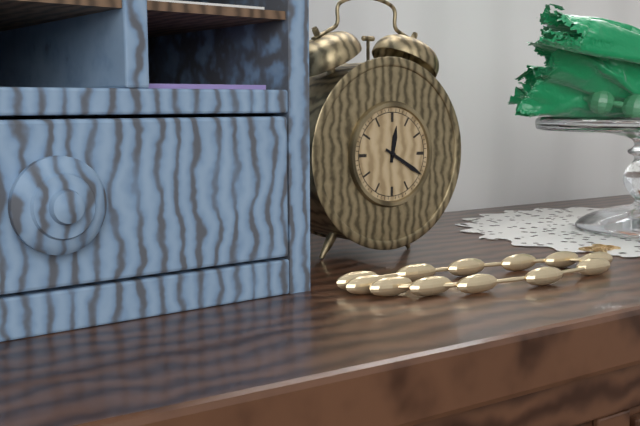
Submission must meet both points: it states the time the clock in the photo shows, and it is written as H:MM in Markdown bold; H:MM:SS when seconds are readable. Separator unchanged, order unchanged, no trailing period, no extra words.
**12:20**
